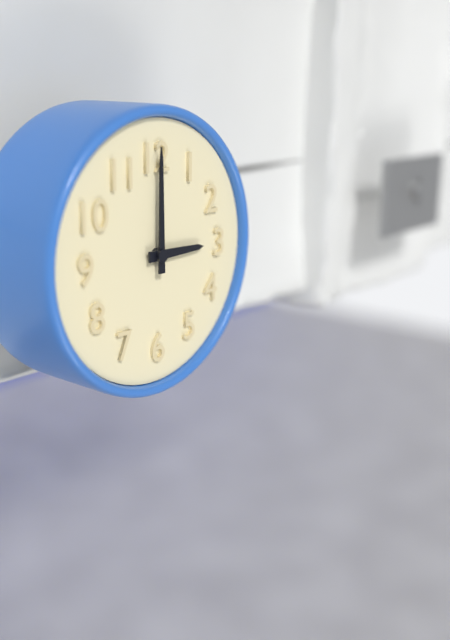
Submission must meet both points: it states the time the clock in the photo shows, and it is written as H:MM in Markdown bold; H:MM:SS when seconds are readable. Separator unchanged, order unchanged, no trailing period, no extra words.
**3:00**
